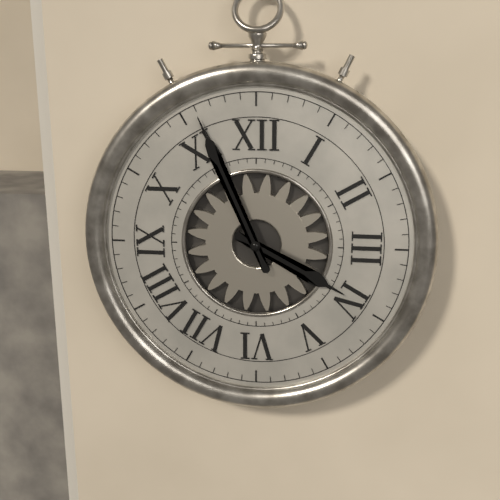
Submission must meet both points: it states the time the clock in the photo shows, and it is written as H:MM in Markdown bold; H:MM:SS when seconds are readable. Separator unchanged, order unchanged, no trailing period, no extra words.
**3:56**
